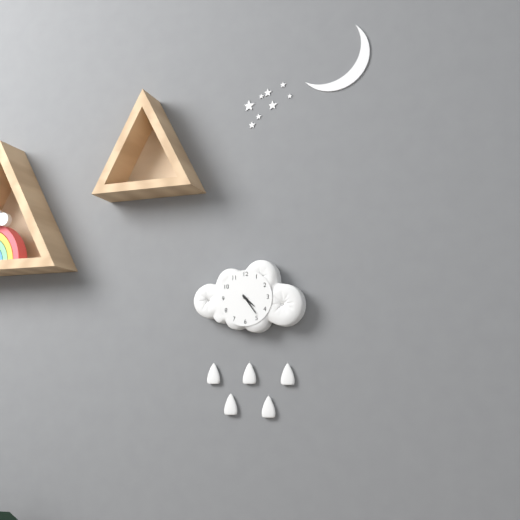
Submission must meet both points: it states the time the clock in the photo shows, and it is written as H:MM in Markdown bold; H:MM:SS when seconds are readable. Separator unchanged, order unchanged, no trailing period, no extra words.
**4:24**
